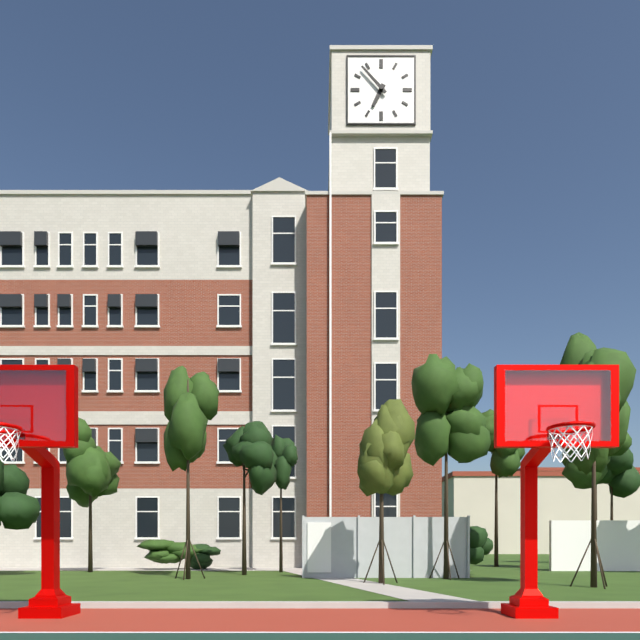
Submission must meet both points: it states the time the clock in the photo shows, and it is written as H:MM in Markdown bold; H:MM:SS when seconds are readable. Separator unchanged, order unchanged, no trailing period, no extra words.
**6:53**
